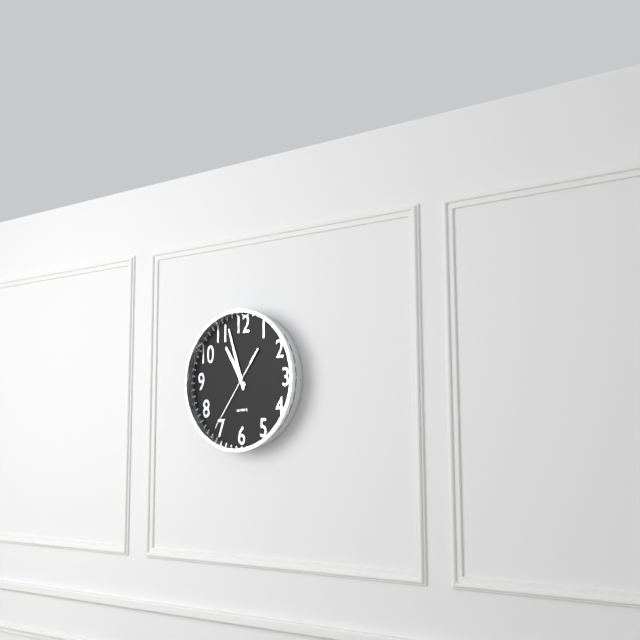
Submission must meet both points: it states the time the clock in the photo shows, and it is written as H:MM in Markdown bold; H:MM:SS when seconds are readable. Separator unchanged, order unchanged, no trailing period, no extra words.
**10:57:36**
